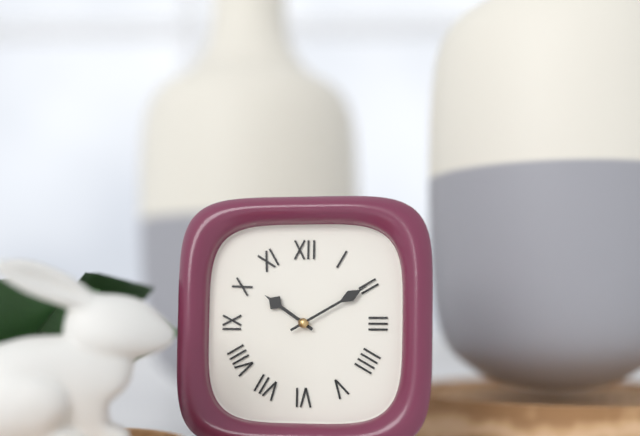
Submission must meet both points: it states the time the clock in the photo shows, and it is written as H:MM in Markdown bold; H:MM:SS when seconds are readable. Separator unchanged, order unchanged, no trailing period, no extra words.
**10:10**
